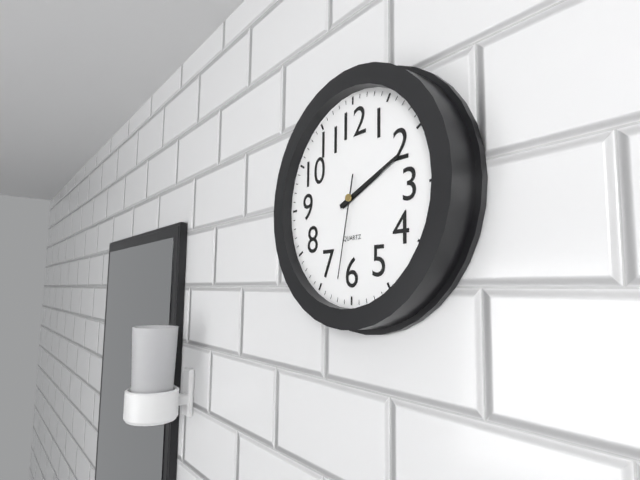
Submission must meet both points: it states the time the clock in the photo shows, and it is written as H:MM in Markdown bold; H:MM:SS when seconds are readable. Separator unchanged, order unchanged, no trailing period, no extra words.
**2:11:32**
